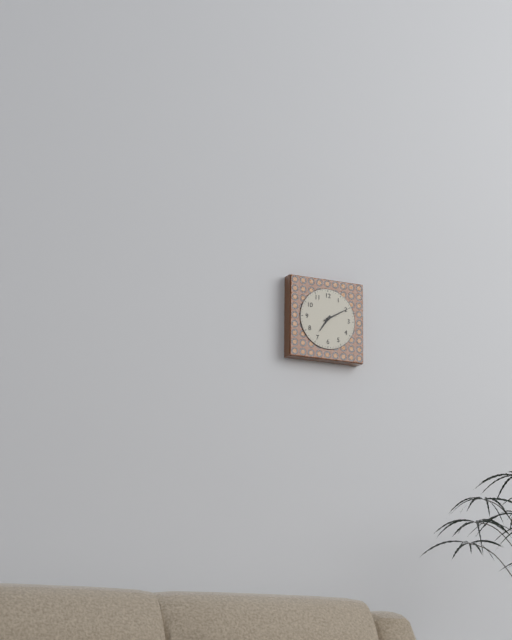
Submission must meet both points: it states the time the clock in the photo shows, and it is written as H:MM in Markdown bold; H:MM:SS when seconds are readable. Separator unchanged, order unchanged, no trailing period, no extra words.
**7:10**
